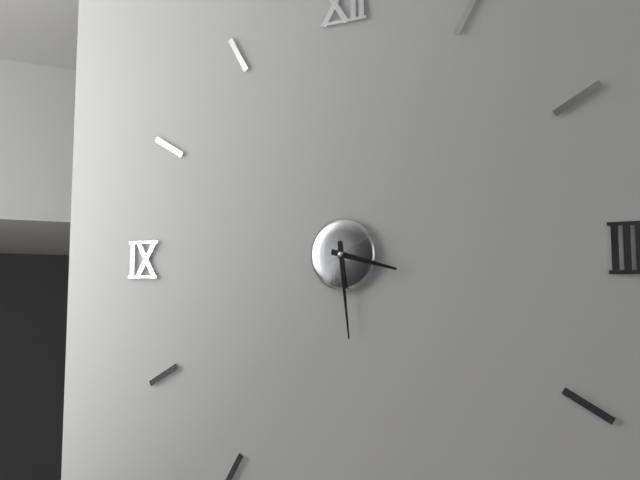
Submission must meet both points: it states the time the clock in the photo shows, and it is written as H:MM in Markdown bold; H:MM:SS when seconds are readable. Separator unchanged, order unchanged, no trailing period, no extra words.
**3:29:10**
